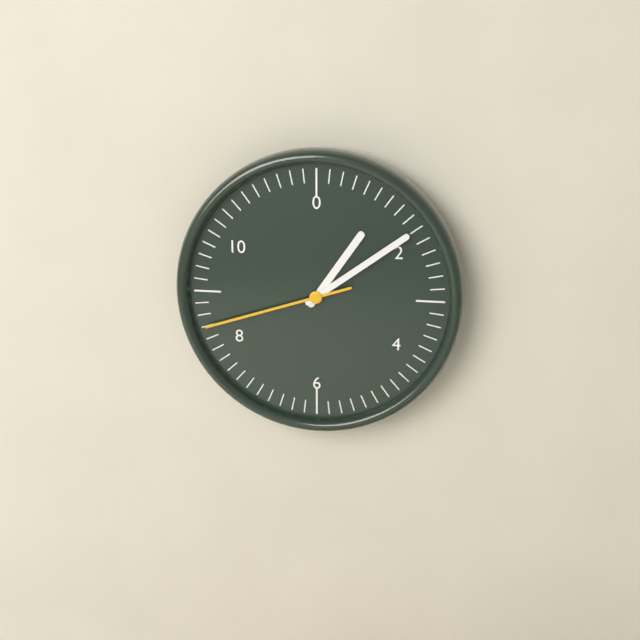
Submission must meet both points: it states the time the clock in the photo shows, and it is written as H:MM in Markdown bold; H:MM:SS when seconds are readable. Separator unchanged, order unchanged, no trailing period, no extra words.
**1:09:42**
